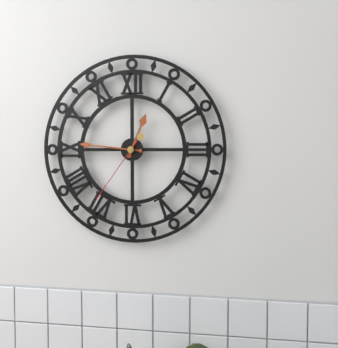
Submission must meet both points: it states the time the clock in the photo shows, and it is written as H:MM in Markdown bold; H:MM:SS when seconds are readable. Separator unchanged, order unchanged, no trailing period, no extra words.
**12:46:36**
